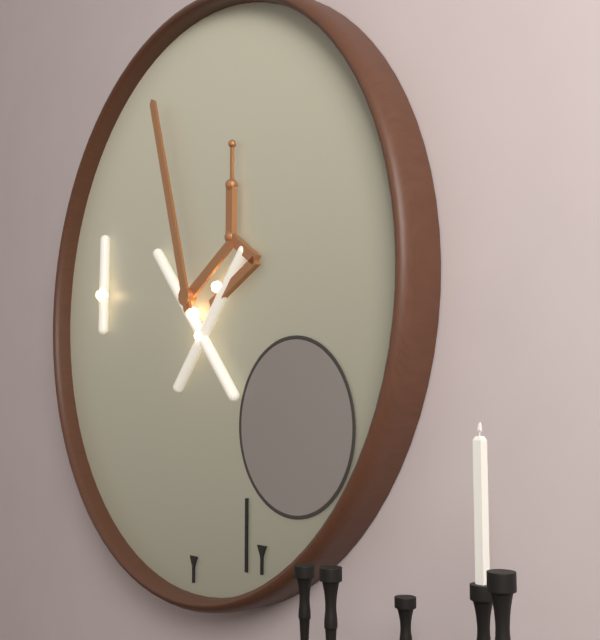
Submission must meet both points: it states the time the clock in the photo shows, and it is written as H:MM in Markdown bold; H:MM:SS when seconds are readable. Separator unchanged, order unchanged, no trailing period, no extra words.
**1:57**
